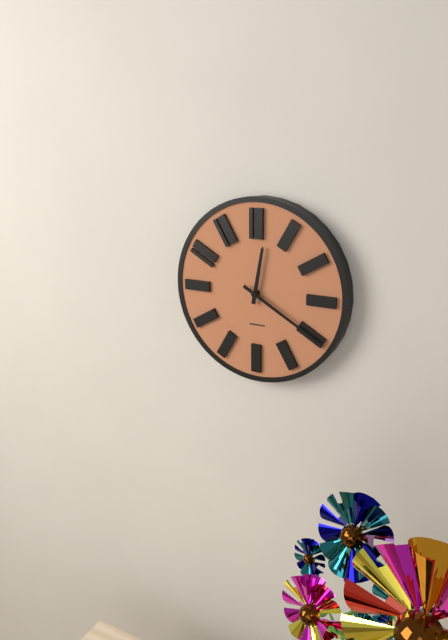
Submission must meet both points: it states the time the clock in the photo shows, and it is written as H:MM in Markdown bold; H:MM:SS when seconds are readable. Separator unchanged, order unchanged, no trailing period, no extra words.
**12:20**
